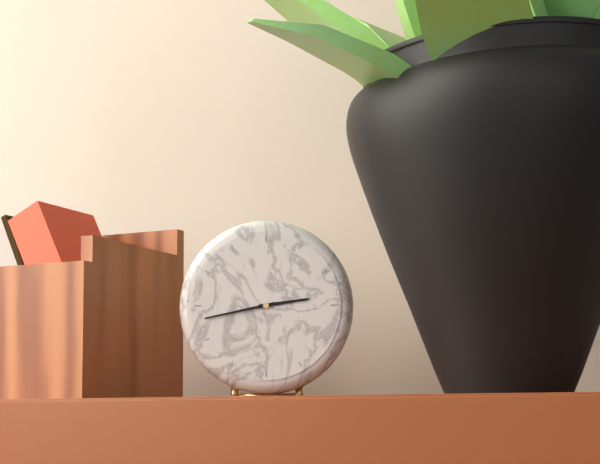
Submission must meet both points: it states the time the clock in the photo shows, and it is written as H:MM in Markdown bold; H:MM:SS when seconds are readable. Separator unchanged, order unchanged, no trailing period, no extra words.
**2:43**
